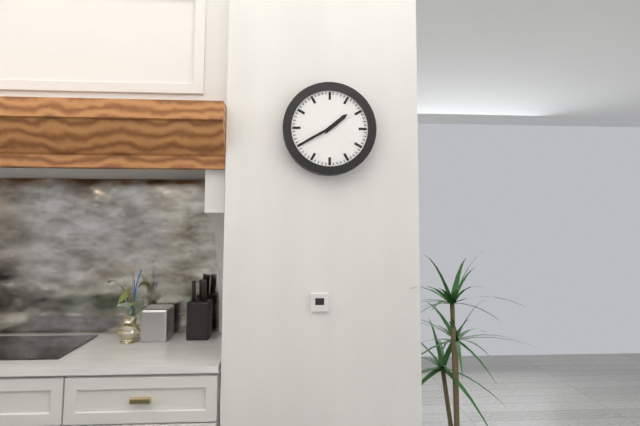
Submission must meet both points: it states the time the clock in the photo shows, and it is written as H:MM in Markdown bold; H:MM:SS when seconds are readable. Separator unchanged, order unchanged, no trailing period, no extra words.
**1:40**
